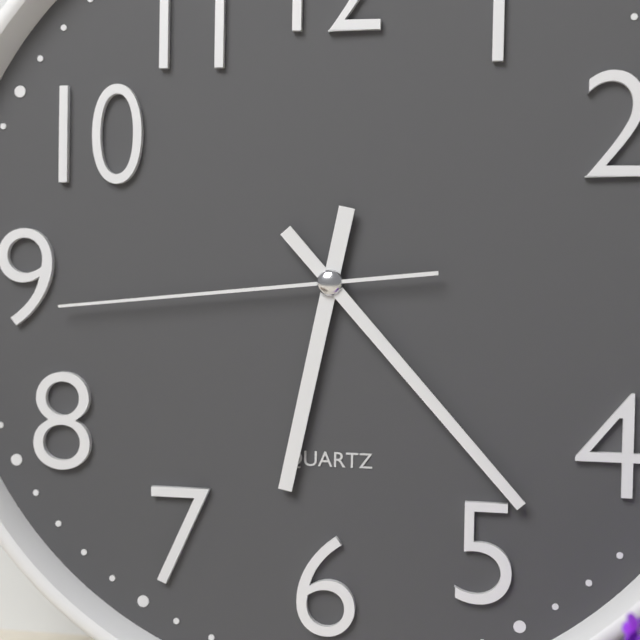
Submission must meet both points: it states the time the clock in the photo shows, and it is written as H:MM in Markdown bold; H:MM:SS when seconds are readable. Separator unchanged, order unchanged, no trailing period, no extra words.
**6:23:44**
